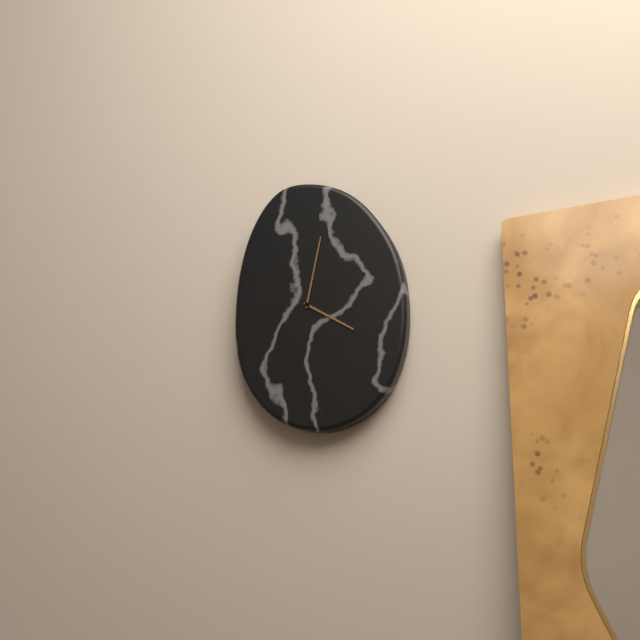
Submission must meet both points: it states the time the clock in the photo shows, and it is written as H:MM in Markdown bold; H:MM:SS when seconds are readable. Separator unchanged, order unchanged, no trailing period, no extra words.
**4:02**
